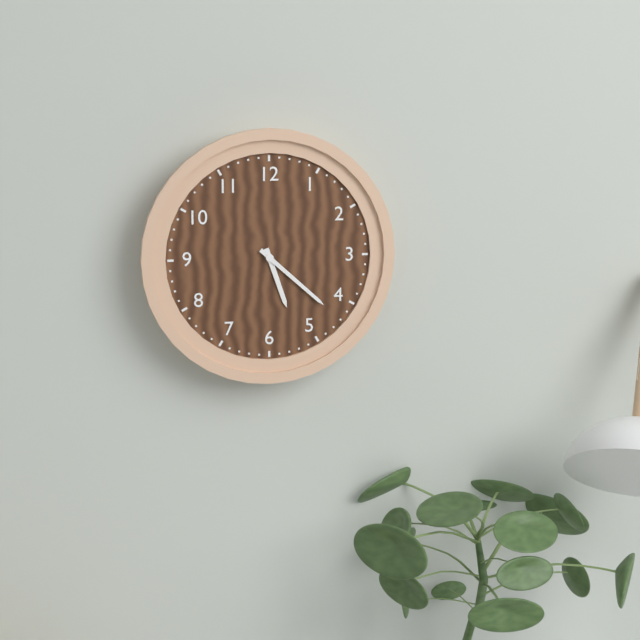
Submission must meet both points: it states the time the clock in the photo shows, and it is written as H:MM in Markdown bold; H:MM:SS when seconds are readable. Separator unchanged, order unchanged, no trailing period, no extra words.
**5:22**
